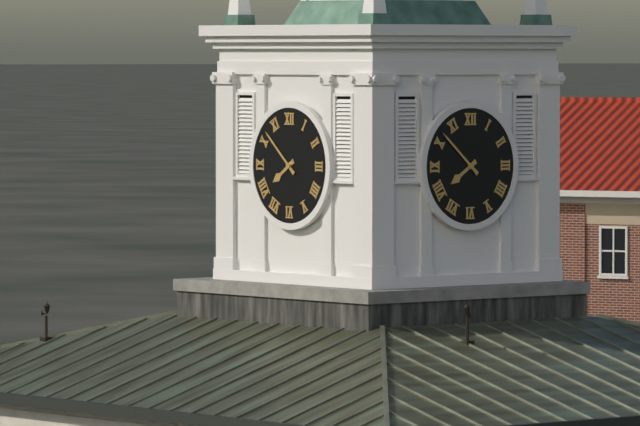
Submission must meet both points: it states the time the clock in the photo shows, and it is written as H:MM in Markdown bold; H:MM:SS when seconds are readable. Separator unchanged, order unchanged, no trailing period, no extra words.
**7:52**
